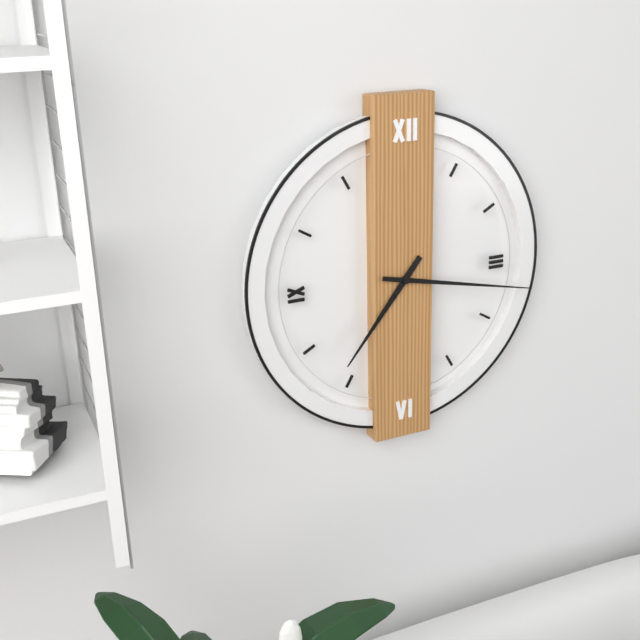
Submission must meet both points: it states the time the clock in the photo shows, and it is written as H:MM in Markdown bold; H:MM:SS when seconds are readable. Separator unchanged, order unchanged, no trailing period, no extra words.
**7:17**
